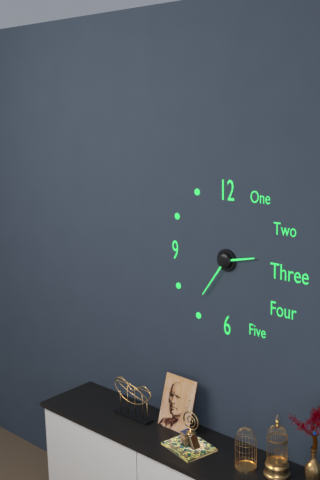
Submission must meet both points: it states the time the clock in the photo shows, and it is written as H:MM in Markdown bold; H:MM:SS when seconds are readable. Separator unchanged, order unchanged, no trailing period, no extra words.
**2:36**
